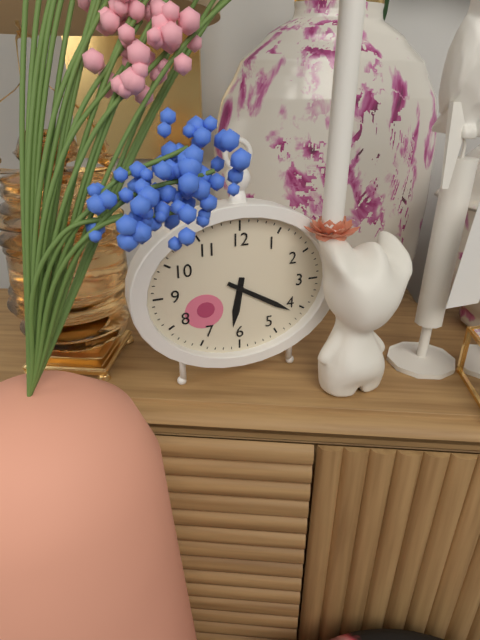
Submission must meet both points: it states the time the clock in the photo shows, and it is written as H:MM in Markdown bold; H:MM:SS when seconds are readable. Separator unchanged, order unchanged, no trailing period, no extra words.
**6:20**
